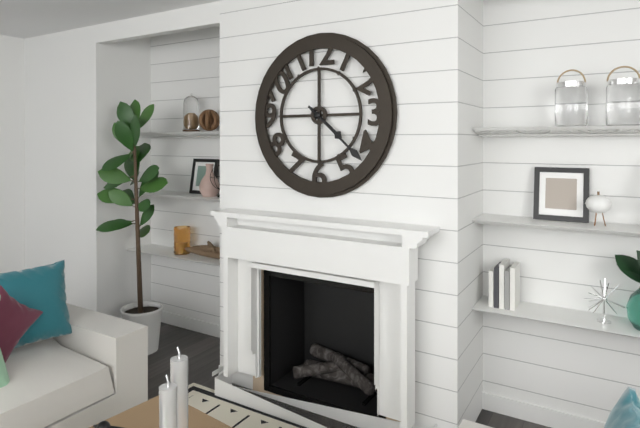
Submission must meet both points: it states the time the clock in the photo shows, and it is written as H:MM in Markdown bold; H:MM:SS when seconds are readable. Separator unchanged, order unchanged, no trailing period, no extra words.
**4:22**
